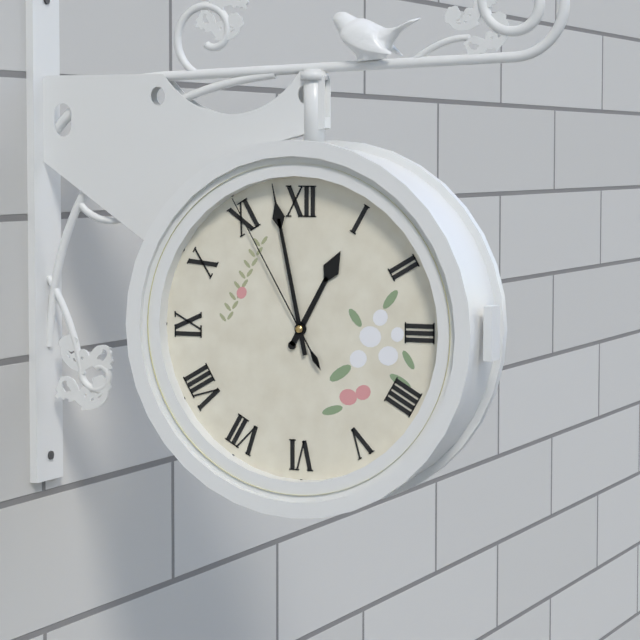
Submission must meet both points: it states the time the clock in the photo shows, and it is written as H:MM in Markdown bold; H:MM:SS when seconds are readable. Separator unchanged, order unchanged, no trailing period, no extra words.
**12:58:55**
